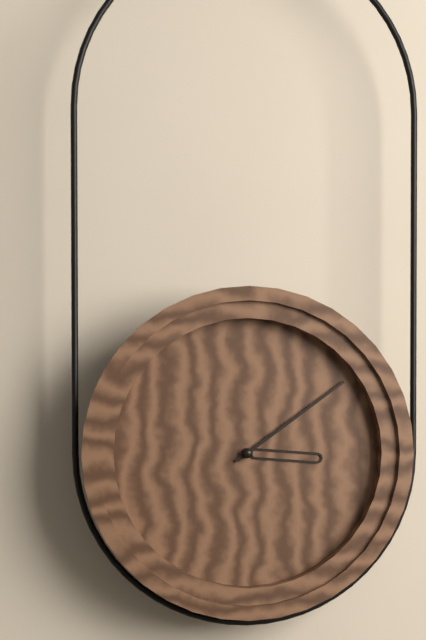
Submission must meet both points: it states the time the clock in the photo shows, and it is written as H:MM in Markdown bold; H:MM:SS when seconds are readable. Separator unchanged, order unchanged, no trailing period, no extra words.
**3:09**
